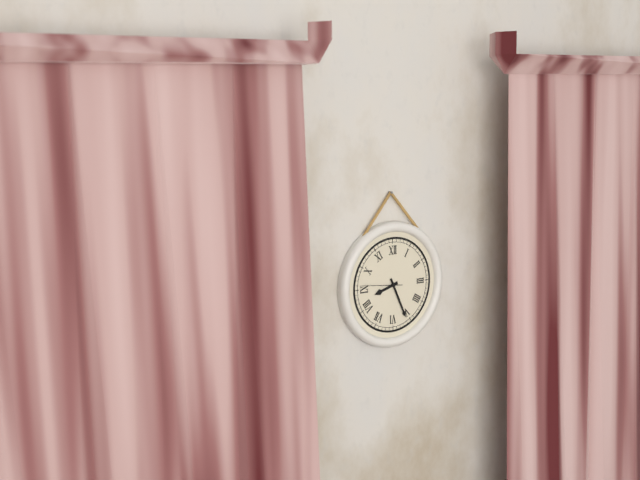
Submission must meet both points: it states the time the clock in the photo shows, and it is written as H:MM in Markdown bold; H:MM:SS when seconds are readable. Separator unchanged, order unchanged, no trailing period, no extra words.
**8:26**
